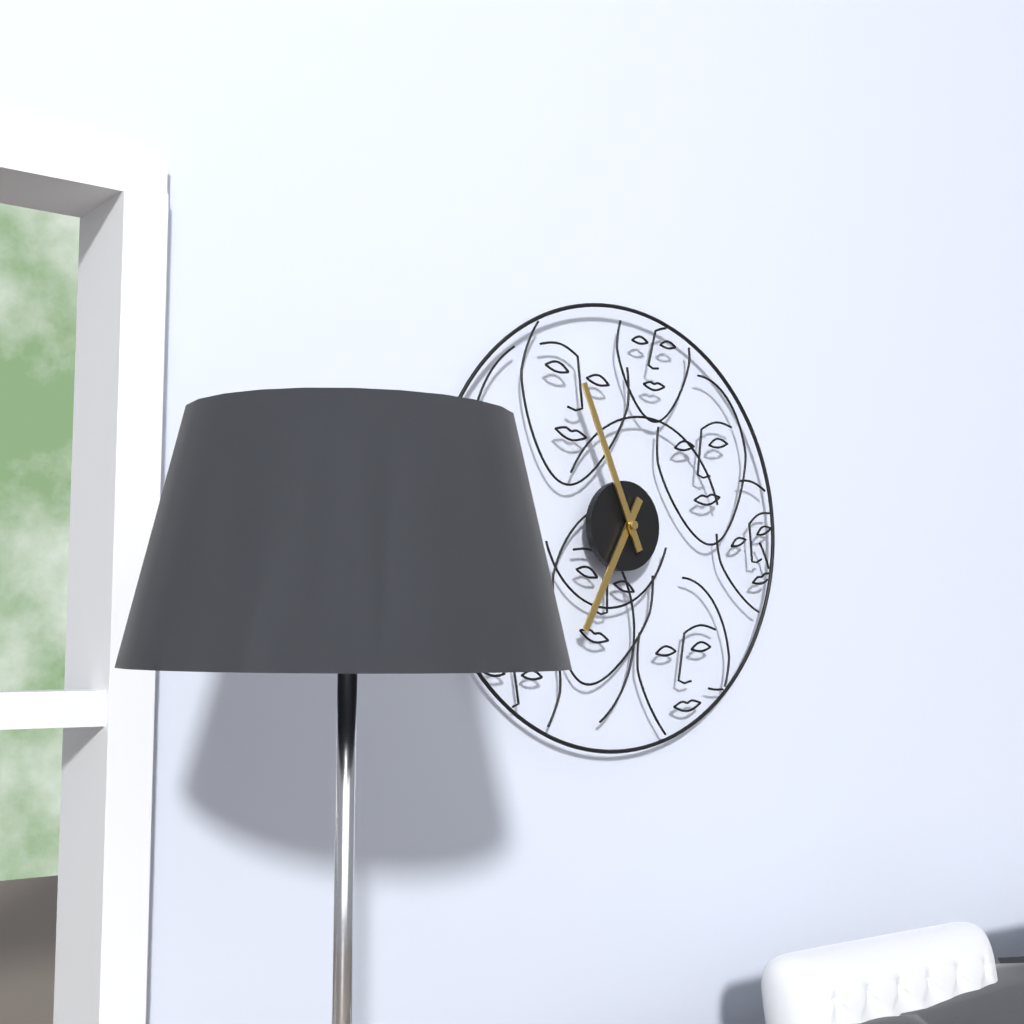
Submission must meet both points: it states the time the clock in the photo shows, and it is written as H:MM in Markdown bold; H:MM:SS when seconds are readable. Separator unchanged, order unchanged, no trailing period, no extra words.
**6:56**
